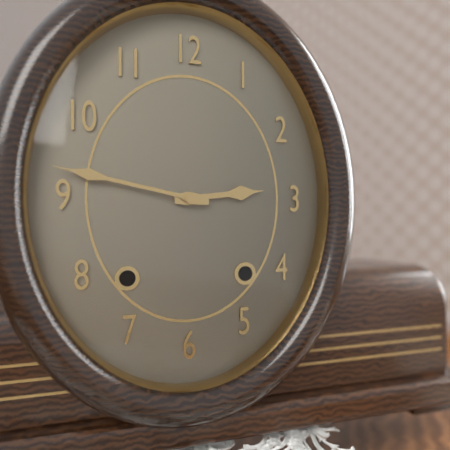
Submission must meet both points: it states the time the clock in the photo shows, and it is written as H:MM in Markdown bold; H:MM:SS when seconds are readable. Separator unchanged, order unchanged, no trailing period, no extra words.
**2:47**
